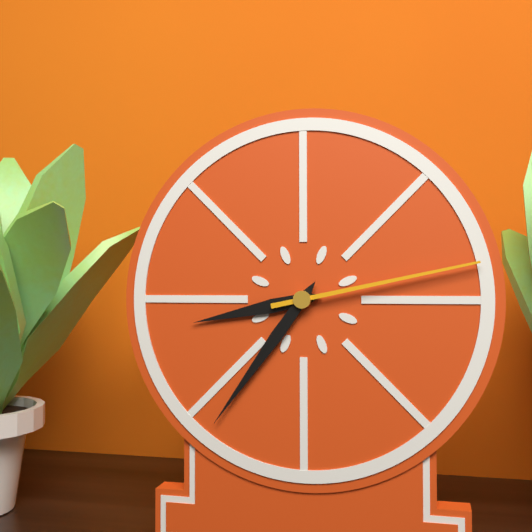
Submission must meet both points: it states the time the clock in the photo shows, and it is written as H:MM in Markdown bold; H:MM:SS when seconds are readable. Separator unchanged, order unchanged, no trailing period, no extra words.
**8:36:13**
